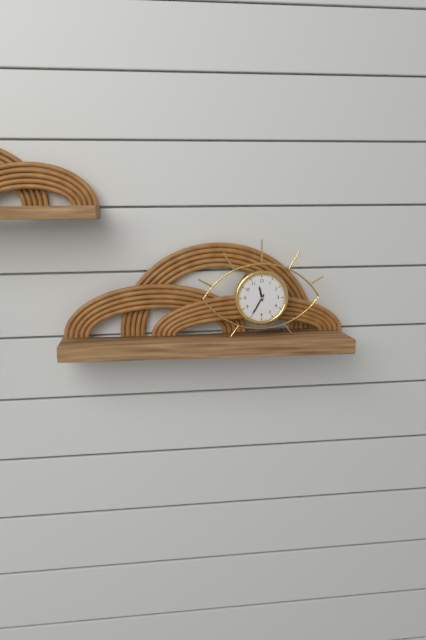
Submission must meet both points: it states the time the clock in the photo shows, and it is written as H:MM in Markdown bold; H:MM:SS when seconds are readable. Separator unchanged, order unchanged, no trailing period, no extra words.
**11:35**
